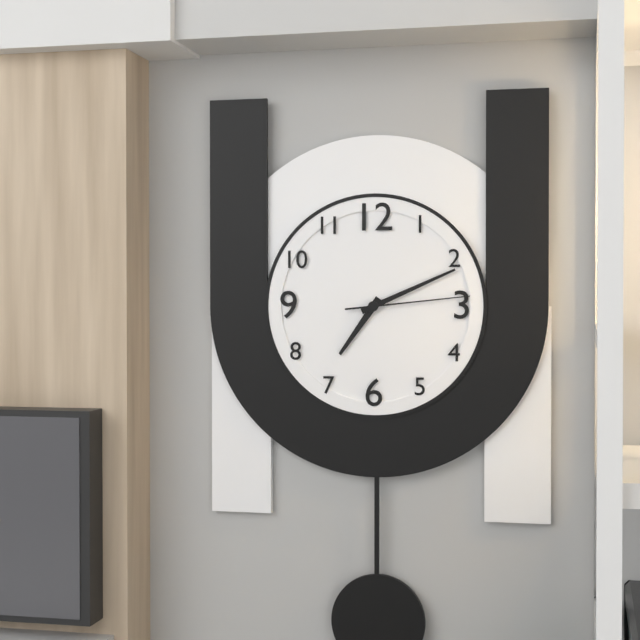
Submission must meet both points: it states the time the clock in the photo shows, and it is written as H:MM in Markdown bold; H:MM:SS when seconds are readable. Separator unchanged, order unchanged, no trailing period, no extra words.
**7:11:14**
